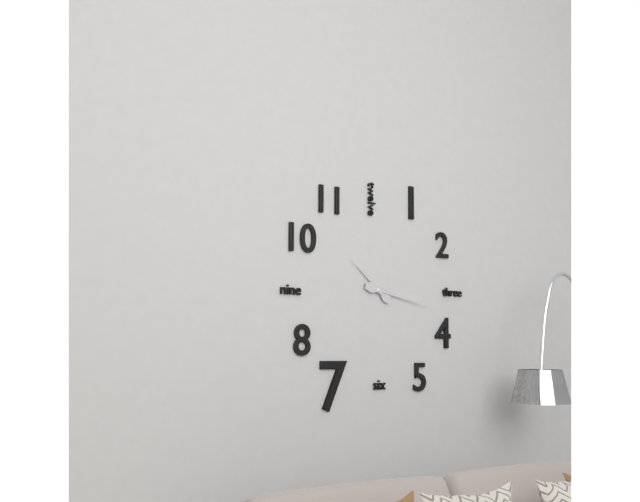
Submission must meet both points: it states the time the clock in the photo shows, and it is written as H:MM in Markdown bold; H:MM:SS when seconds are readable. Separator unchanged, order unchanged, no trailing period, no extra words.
**10:17**
